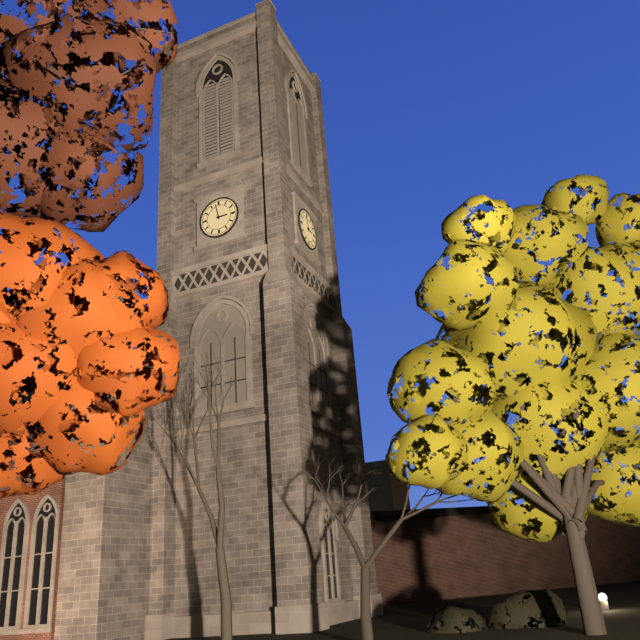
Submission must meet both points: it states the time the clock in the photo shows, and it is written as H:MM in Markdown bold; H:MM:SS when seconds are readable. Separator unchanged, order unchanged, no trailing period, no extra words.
**2:58**
